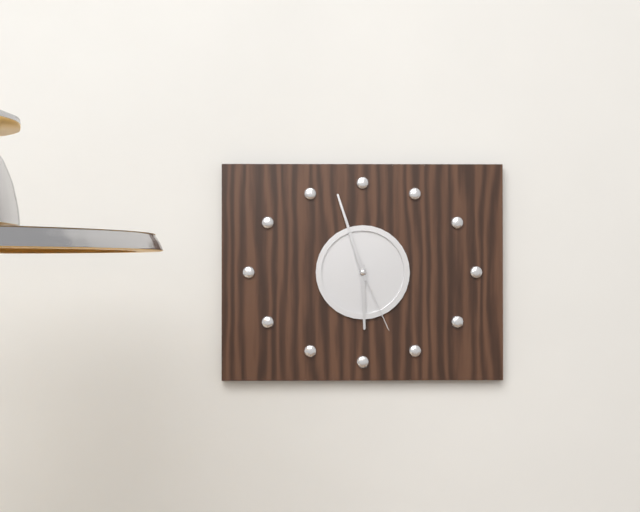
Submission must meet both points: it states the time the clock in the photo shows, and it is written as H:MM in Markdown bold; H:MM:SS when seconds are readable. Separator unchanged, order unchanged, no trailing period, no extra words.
**5:57:26**
